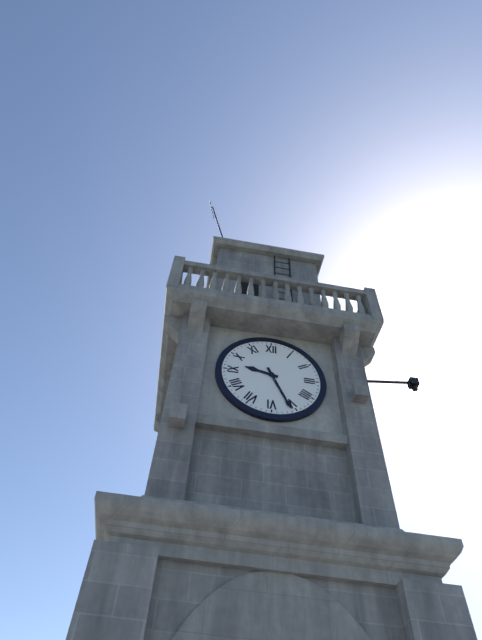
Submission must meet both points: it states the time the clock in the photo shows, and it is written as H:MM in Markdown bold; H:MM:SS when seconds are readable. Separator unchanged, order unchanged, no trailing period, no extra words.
**9:26**
